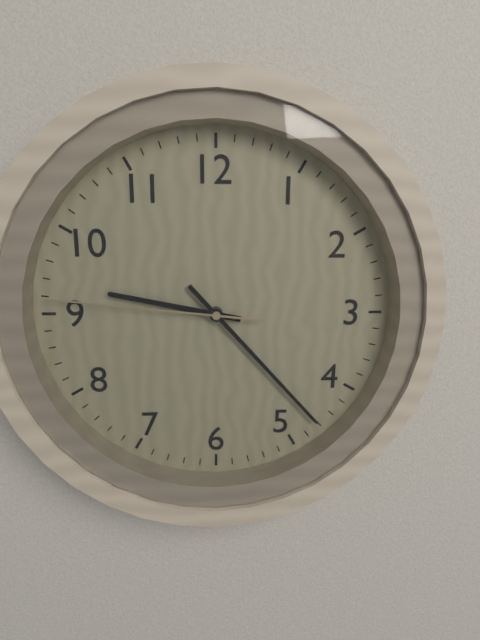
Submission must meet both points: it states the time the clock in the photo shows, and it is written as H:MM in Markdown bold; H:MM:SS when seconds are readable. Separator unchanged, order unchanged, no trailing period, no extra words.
**9:23:46**
